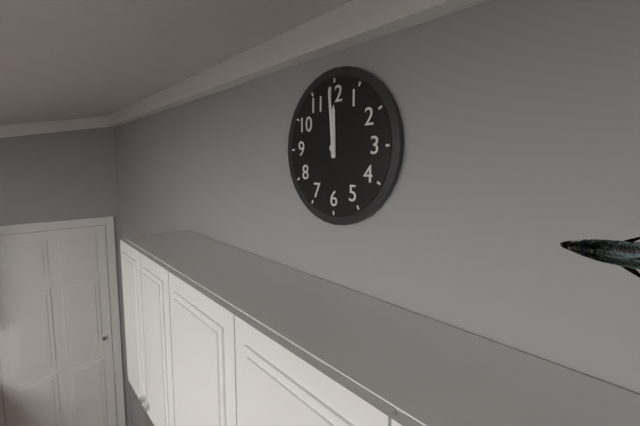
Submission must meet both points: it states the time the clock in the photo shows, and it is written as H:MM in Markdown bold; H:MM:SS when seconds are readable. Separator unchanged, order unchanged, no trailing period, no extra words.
**11:59**
